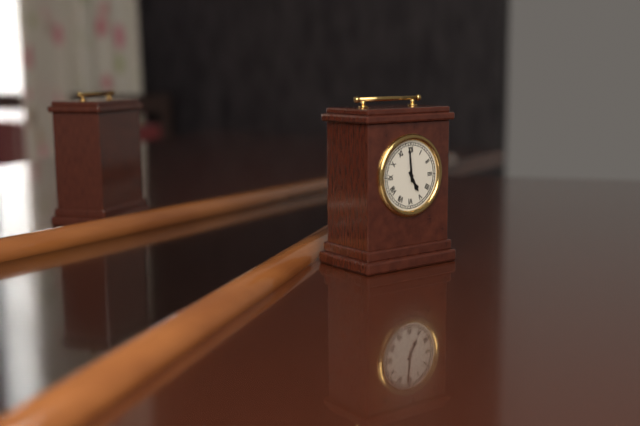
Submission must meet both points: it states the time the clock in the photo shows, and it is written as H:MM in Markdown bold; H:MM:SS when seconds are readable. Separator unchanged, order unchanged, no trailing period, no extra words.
**4:59**
